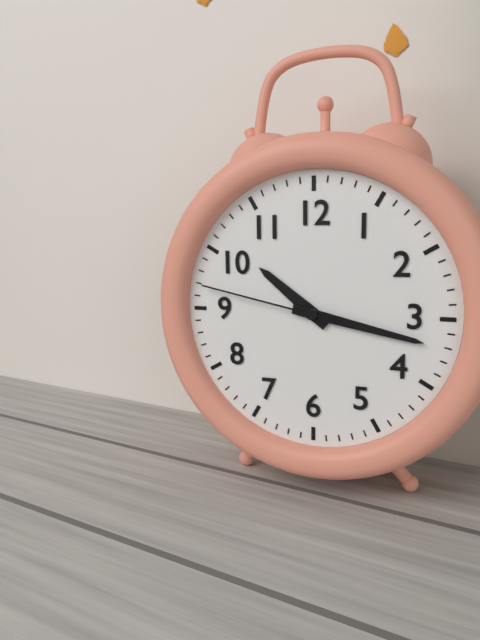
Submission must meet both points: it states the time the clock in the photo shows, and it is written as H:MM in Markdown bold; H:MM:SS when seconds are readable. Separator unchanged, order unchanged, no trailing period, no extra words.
**10:17:47**
